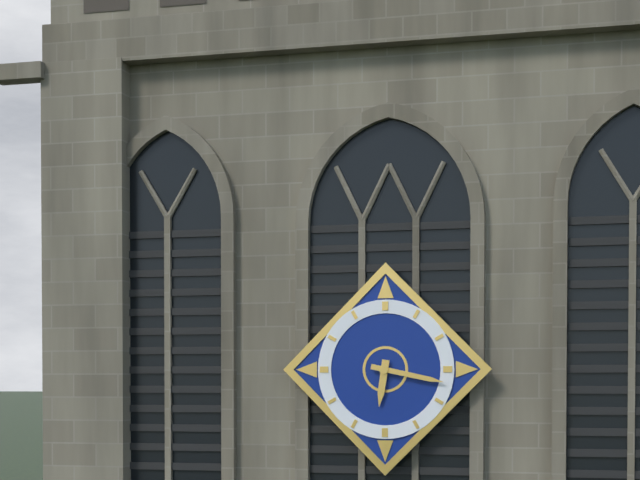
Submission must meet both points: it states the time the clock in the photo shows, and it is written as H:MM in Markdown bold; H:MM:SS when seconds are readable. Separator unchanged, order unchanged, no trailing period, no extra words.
**6:17**
